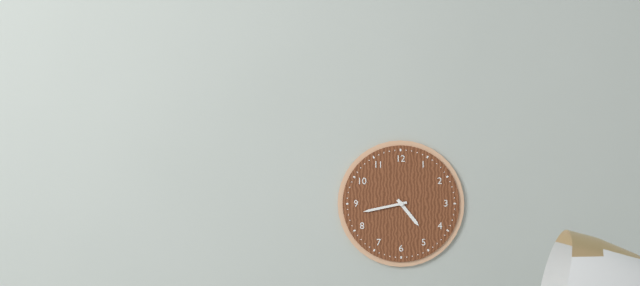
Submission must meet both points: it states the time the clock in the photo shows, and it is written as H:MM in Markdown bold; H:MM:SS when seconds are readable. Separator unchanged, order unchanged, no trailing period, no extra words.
**4:43**
